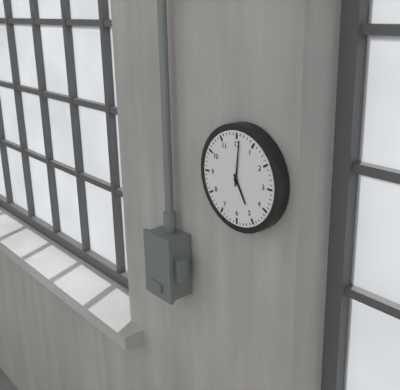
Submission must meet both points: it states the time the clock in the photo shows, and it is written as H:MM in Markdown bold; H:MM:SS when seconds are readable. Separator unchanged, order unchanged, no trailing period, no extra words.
**5:01**
